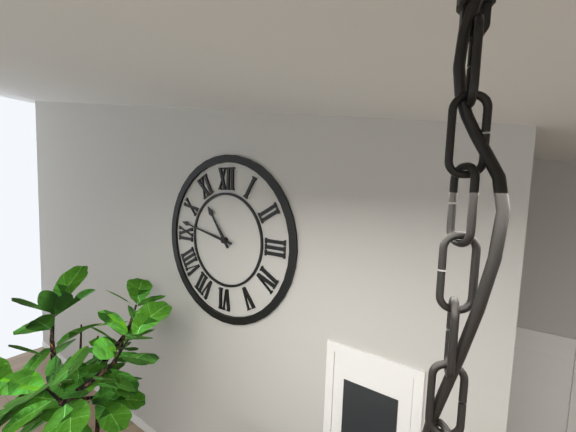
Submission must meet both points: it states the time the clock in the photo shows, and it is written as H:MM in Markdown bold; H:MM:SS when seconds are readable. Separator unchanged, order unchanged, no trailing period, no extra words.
**10:47**
